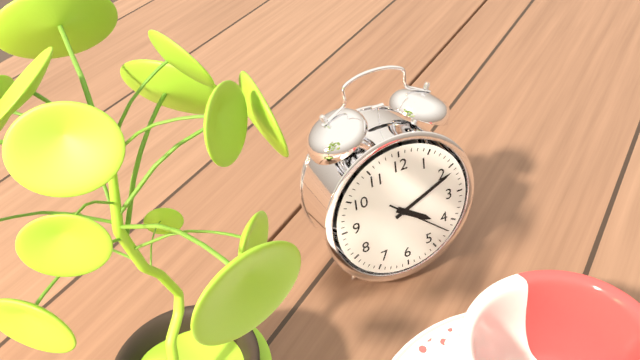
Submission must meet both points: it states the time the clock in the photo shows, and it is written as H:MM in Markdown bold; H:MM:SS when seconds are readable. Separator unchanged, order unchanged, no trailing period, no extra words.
**4:11:22**
